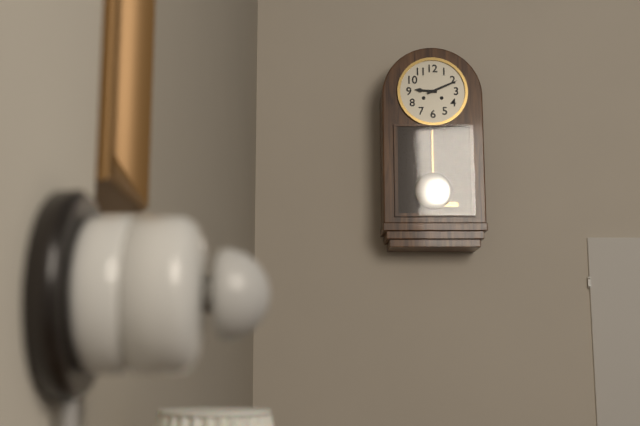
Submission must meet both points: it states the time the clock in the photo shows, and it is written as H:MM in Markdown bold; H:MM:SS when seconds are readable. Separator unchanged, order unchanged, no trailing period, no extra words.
**9:11**
